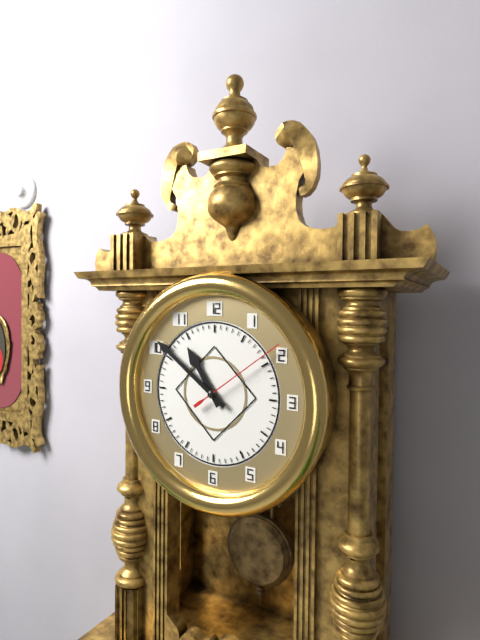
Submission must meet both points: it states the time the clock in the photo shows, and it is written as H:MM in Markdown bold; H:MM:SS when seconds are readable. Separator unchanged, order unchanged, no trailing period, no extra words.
**10:51:09**
